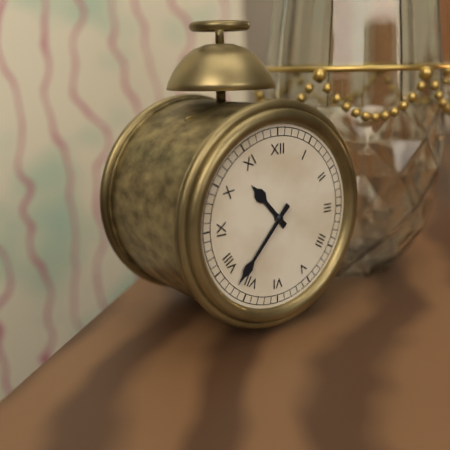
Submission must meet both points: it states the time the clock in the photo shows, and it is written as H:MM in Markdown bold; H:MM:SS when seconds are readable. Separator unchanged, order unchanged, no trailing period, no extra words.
**10:37**
